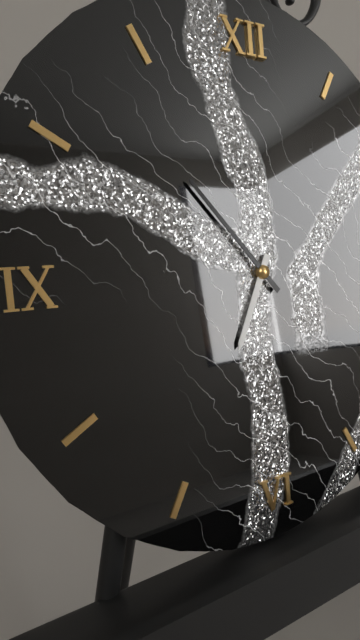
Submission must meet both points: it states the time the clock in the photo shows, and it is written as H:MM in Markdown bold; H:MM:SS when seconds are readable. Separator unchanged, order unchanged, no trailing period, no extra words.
**6:53**
